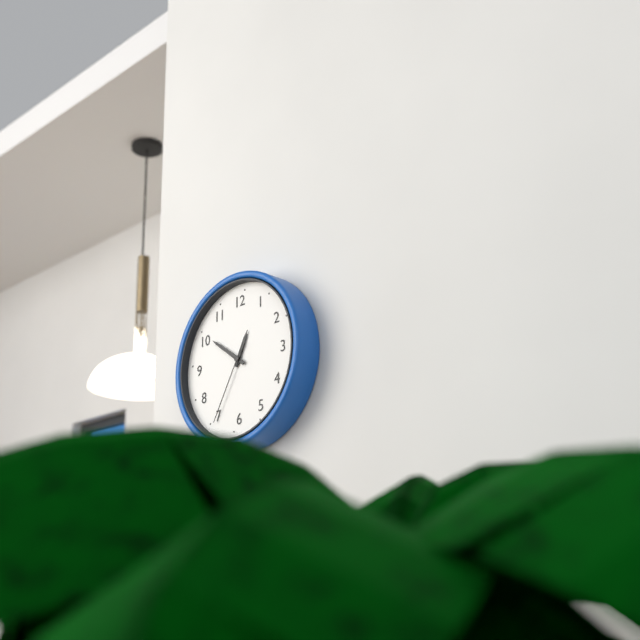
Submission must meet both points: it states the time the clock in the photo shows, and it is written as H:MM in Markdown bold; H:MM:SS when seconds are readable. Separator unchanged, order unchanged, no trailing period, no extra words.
**12:51:35**
